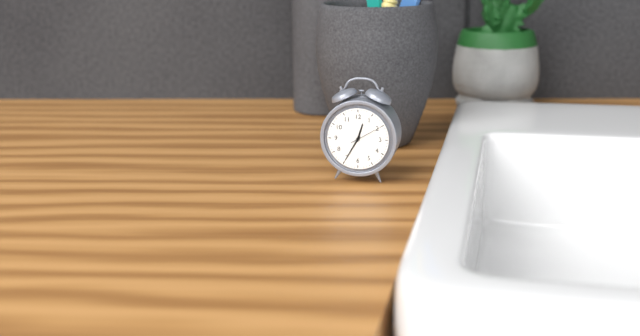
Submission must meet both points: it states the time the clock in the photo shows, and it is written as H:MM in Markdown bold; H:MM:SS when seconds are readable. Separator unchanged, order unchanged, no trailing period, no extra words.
**12:35**
